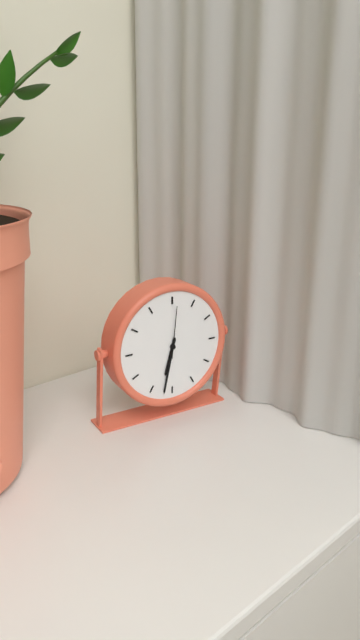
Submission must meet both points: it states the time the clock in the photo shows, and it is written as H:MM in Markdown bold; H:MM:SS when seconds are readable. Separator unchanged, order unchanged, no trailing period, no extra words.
**6:32:01**
